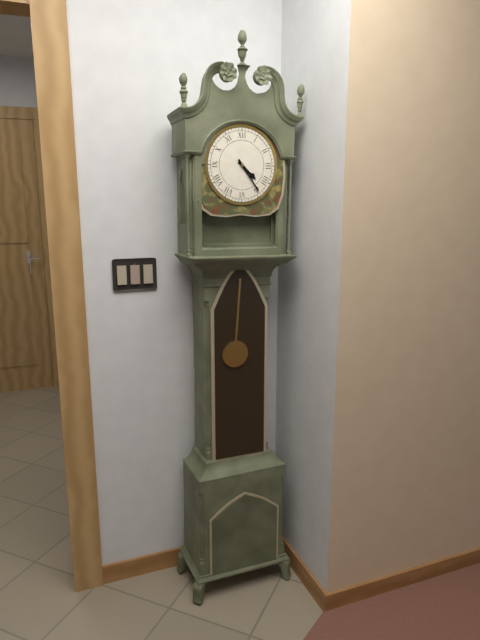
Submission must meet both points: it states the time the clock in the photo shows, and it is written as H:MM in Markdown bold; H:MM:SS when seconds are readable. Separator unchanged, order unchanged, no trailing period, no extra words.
**4:24**
